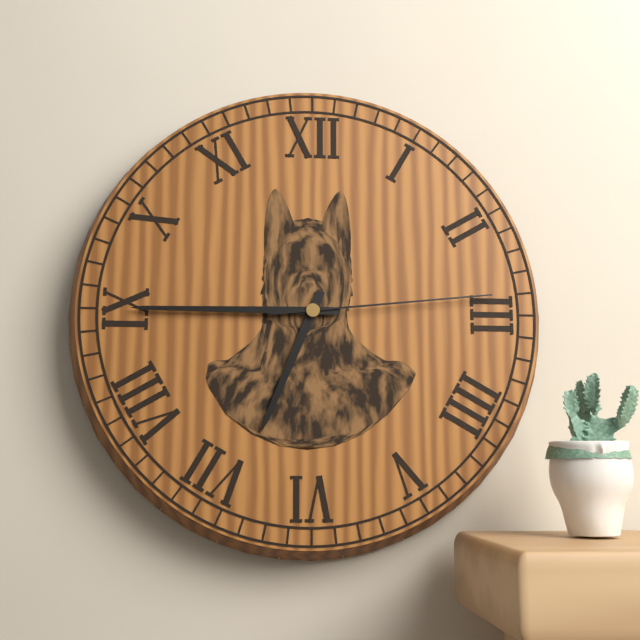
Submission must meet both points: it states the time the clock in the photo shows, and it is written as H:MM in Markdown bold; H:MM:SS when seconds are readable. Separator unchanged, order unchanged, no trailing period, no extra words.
**6:45:14**
